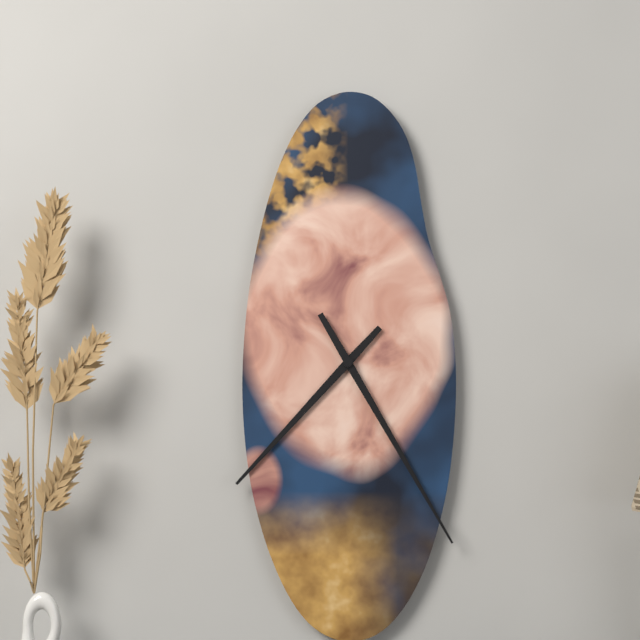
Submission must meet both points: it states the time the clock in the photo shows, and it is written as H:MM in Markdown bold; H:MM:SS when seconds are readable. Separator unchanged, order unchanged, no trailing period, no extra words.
**7:25**
